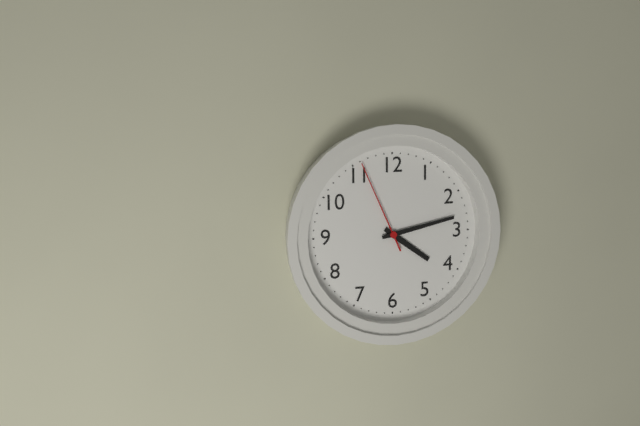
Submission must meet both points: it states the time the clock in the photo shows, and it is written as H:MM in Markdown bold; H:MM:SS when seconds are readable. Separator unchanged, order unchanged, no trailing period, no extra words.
**4:13:56**
